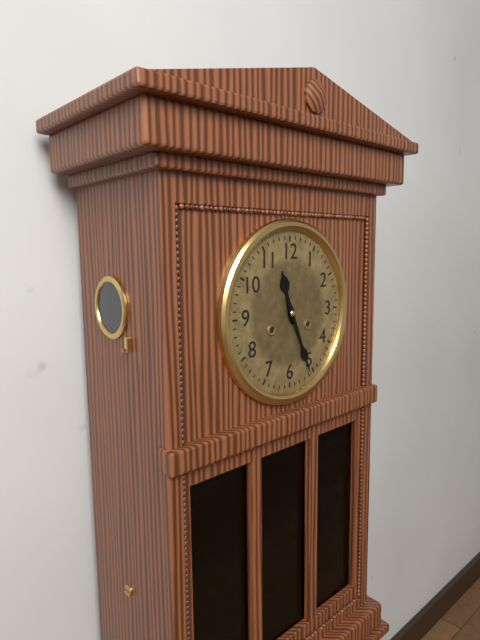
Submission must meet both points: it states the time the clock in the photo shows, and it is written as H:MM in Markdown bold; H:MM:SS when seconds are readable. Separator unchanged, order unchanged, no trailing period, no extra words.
**11:26**
